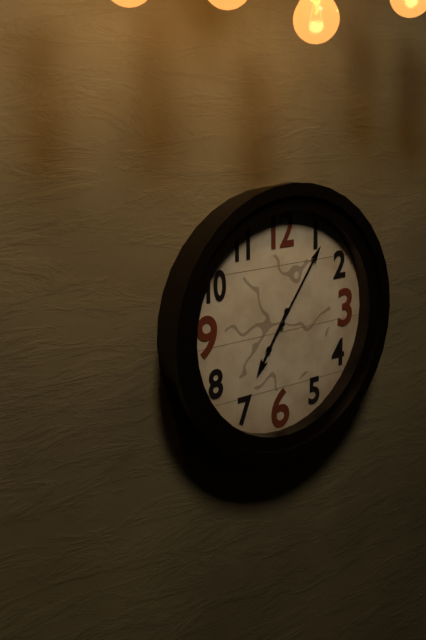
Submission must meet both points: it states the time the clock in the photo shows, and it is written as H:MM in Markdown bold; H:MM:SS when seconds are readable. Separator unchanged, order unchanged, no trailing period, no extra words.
**7:06**
